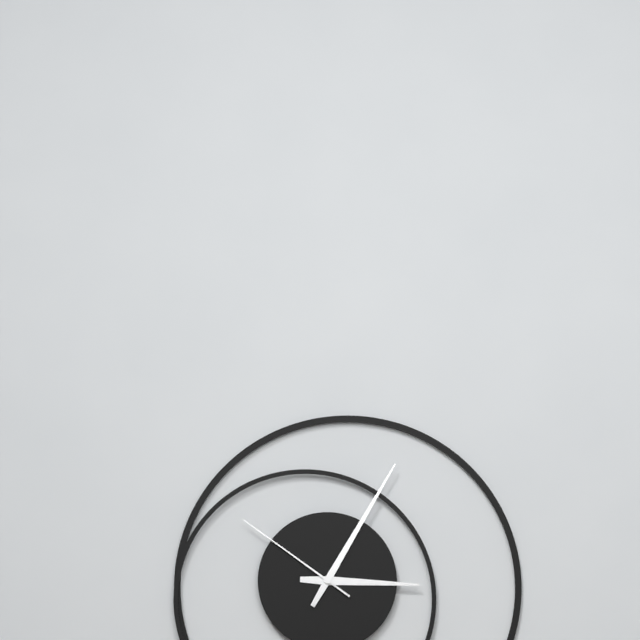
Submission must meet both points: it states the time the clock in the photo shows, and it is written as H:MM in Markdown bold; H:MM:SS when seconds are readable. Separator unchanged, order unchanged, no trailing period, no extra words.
**3:05:51**
